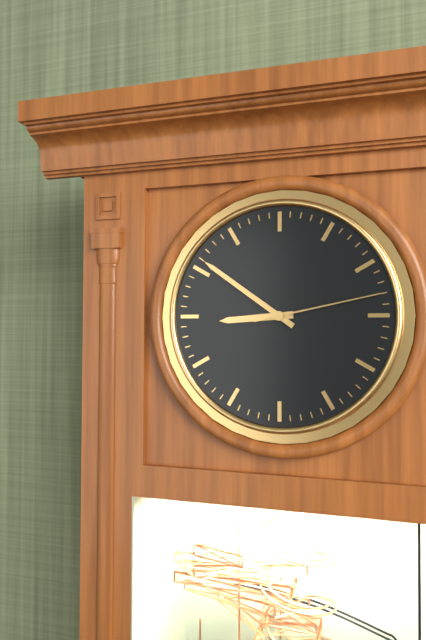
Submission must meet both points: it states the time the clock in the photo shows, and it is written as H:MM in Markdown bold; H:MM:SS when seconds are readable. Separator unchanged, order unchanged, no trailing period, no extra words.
**8:51:13**
